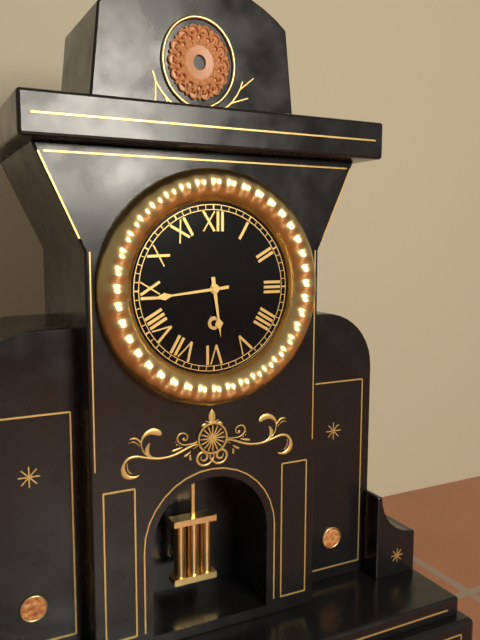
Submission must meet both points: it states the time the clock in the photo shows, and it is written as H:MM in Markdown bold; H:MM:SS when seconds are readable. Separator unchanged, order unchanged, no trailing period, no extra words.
**5:44**
